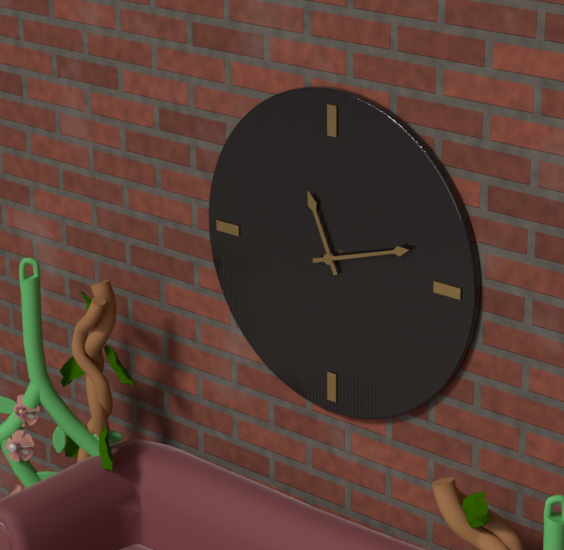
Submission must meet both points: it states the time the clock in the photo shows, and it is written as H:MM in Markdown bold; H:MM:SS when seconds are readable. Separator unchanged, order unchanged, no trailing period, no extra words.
**11:12**
